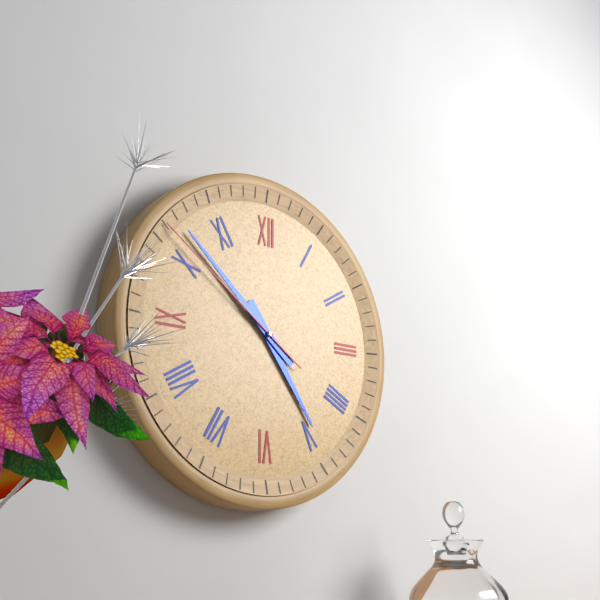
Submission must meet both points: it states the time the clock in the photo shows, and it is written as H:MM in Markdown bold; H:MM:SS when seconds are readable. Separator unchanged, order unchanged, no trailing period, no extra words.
**4:52:51**
